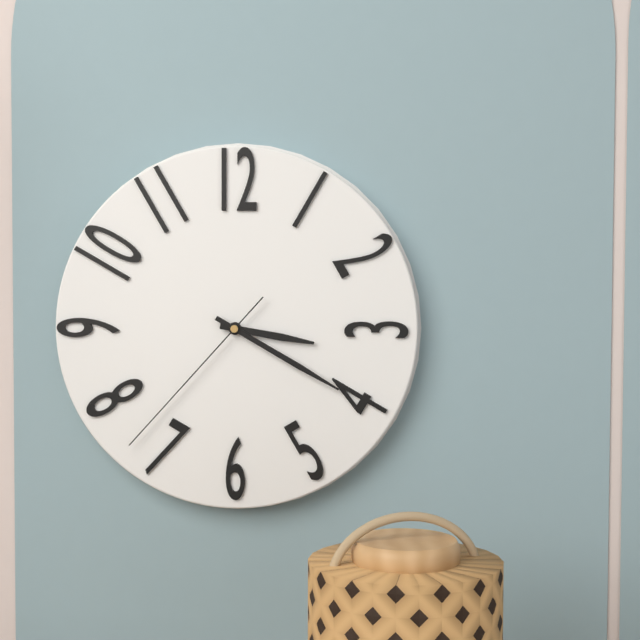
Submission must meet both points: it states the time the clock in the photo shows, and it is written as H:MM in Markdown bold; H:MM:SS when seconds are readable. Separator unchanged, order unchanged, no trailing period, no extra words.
**3:20:37**
